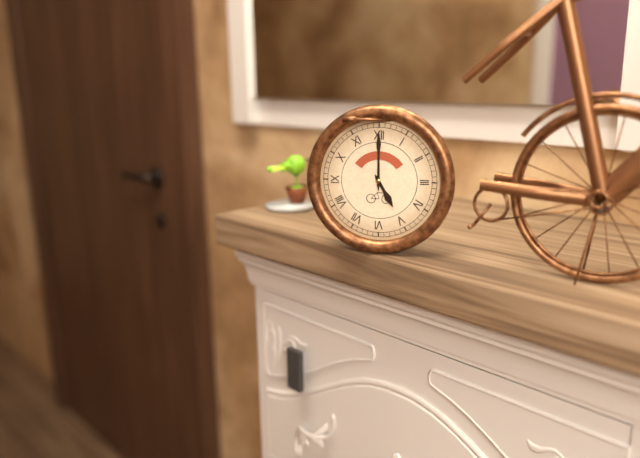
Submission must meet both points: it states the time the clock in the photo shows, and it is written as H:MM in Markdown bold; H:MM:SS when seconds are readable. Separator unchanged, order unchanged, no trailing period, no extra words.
**5:00**
